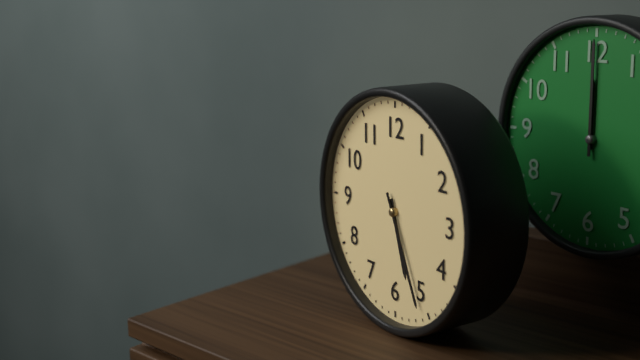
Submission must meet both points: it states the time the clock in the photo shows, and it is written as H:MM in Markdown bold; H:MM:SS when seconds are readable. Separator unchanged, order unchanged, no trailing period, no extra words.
**5:26**
